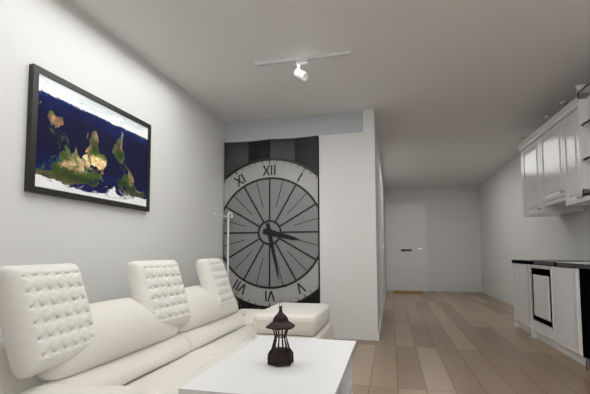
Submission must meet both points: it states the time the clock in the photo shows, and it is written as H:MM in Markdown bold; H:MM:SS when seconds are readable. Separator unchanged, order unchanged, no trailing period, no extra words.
**3:28**
